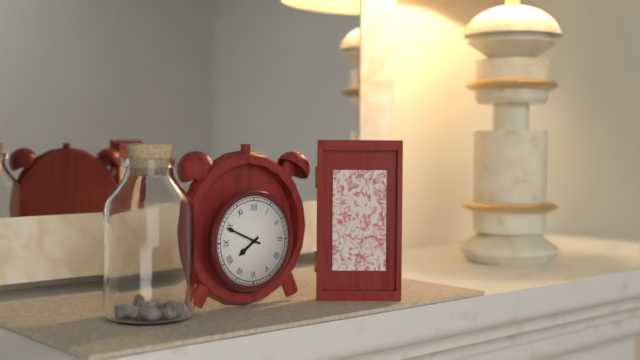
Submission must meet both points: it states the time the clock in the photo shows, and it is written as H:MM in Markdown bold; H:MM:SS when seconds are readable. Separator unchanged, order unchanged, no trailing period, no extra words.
**7:49**
